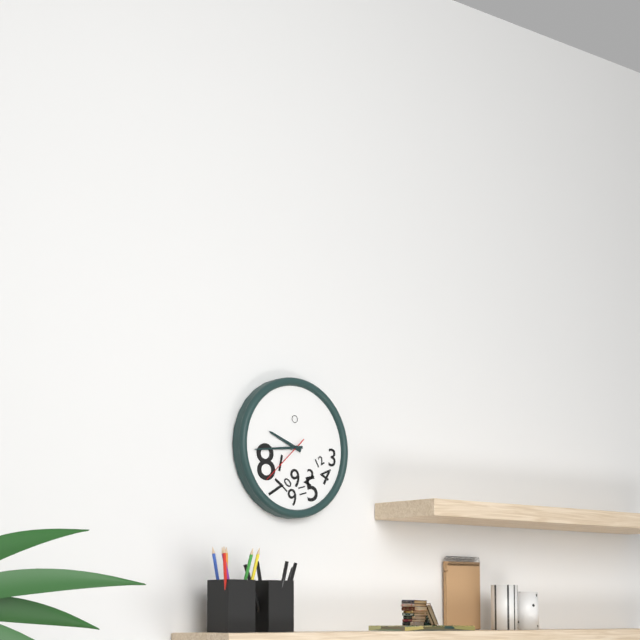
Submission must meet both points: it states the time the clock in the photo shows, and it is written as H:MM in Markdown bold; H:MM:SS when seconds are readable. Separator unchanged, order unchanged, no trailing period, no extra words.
**9:44:38**
